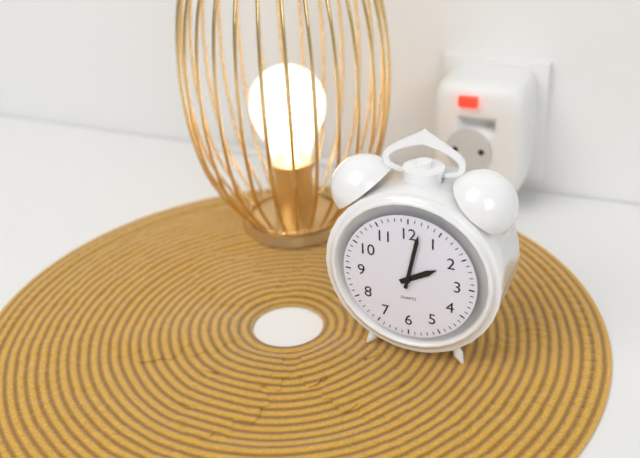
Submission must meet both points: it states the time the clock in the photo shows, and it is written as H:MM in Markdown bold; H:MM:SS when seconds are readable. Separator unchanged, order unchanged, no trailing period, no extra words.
**2:02**
